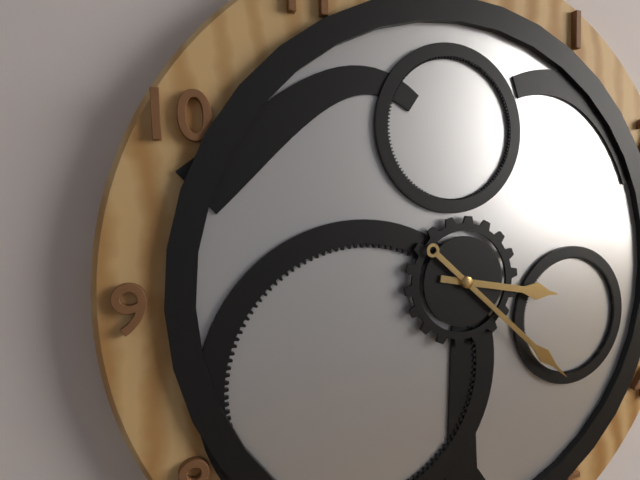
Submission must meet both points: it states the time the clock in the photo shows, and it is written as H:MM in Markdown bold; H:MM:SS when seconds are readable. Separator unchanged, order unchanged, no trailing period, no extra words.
**3:22**
